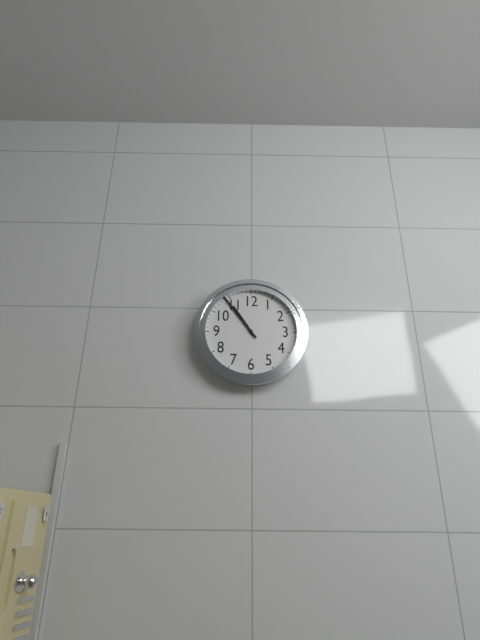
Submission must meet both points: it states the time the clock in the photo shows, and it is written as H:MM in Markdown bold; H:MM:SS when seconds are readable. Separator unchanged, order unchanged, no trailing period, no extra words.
**10:54**
